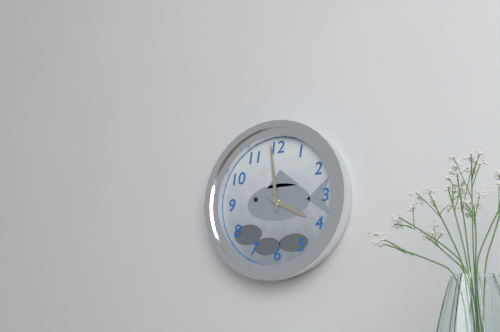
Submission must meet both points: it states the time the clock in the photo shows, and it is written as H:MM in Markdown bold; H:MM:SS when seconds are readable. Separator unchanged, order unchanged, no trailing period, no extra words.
**3:59**
